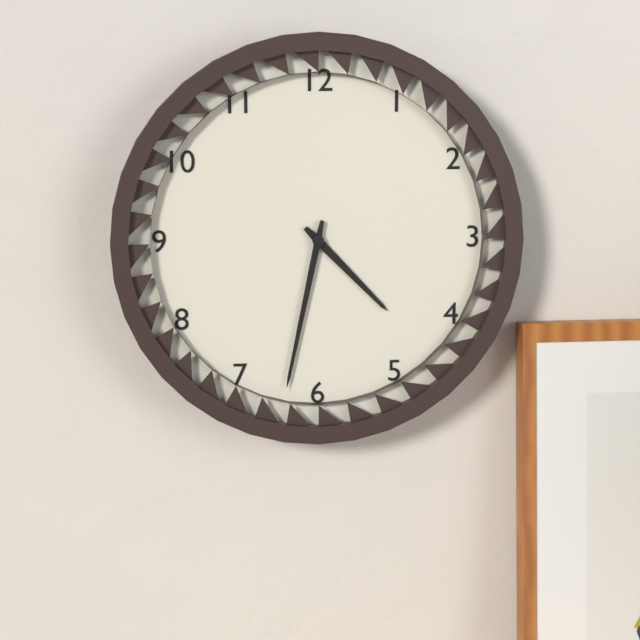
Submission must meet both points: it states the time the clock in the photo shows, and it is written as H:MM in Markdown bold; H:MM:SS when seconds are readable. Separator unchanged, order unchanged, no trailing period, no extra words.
**4:32**
